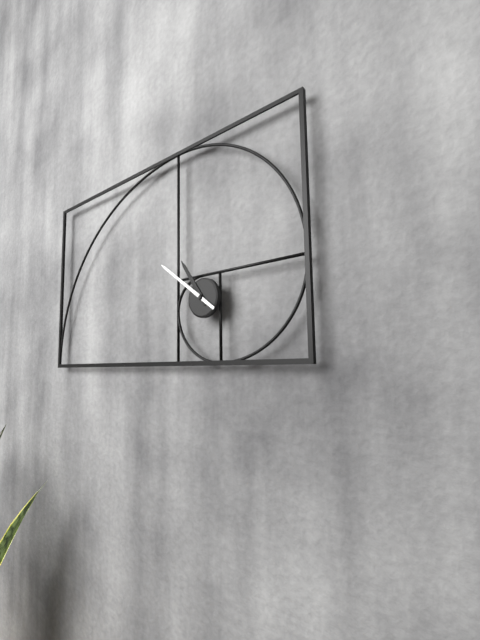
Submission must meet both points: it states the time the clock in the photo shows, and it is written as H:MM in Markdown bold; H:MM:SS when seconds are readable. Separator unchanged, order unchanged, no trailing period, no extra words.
**10:51**
